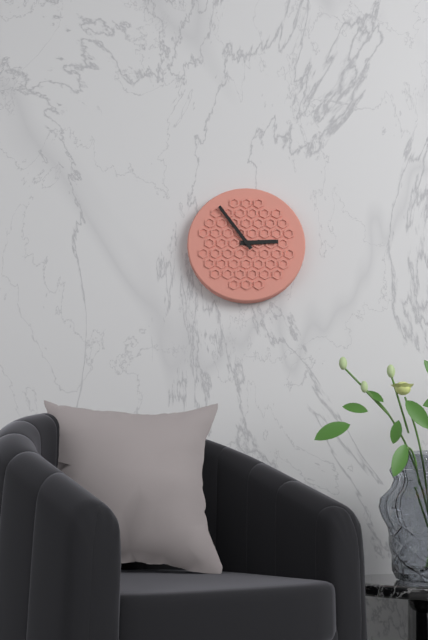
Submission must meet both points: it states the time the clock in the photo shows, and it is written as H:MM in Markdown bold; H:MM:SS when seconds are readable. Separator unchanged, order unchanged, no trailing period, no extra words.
**2:54**
